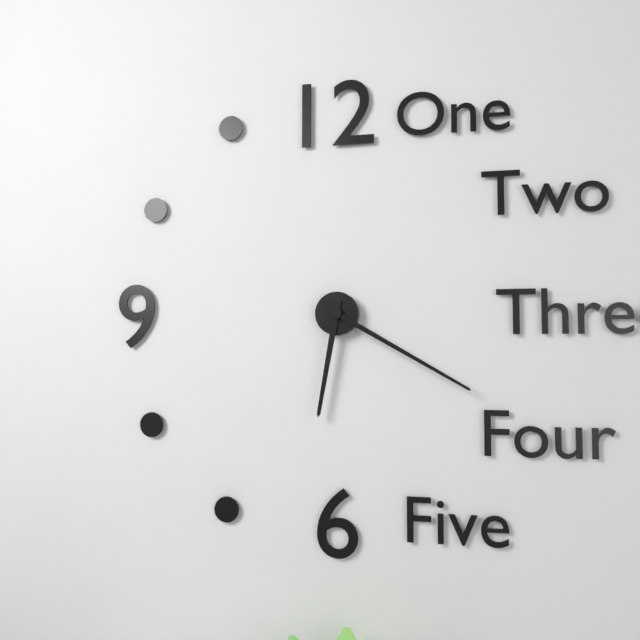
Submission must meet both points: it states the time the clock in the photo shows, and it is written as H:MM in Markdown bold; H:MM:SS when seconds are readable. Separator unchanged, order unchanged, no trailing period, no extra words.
**6:20**
